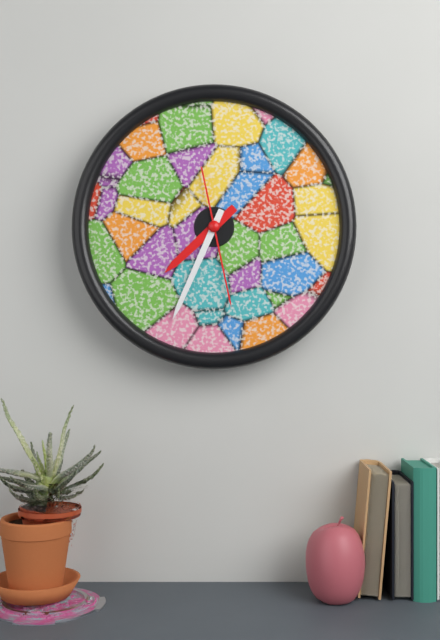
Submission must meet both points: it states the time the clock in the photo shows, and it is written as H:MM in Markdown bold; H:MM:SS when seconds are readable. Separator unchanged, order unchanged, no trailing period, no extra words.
**7:34:28**
